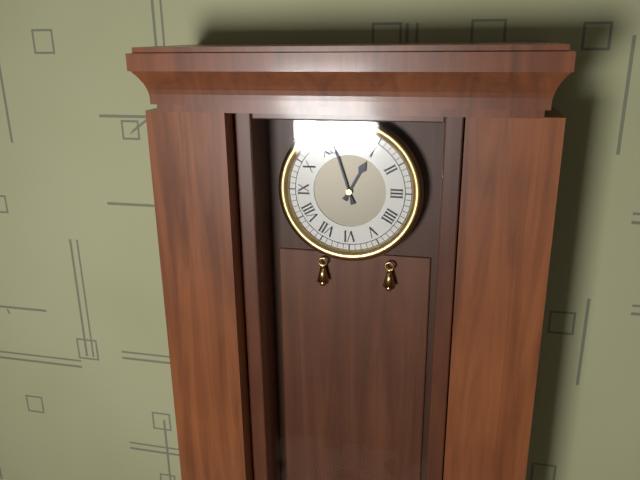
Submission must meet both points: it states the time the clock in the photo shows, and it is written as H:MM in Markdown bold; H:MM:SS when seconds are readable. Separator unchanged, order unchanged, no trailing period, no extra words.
**12:57**
